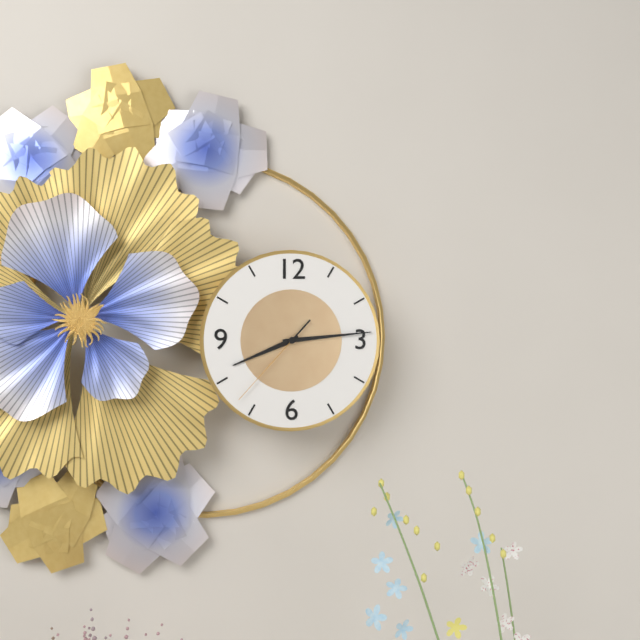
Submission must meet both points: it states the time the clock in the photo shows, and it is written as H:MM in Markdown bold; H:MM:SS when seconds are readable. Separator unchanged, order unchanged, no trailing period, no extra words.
**8:14:37**
